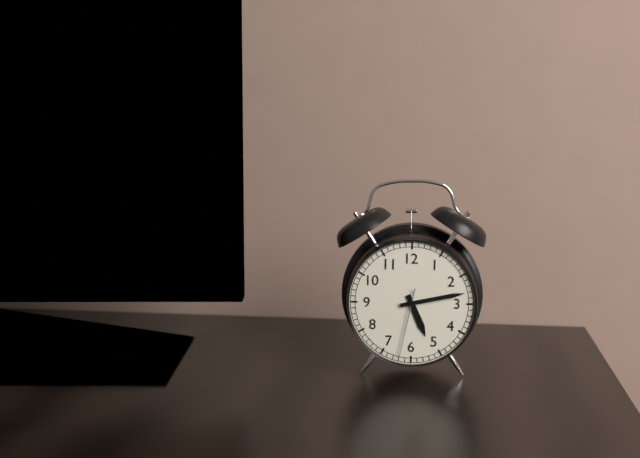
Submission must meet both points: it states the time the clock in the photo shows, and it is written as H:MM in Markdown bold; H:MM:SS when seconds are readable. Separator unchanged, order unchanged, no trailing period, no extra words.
**5:13:32**
